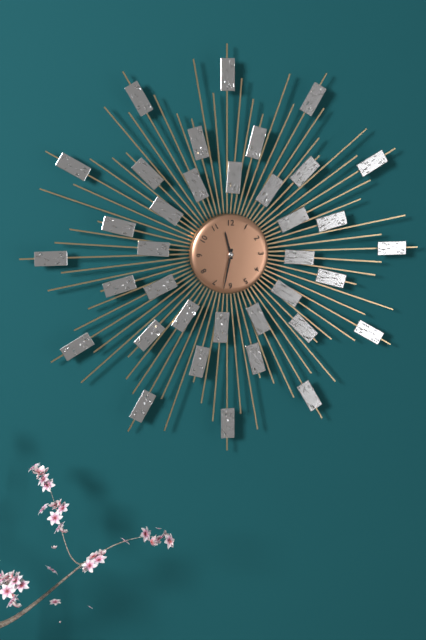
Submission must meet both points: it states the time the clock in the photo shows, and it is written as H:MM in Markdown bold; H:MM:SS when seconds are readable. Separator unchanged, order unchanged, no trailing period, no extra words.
**11:32**
